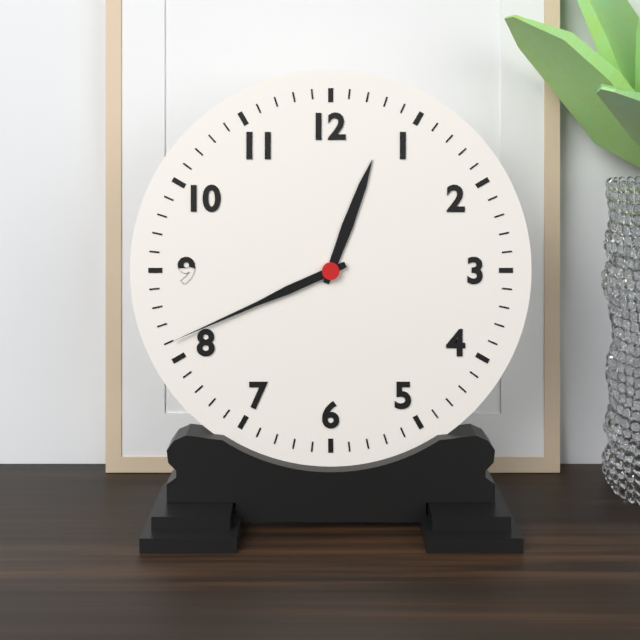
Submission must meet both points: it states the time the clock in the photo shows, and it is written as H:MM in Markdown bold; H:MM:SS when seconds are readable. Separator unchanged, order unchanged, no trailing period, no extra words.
**12:41**
